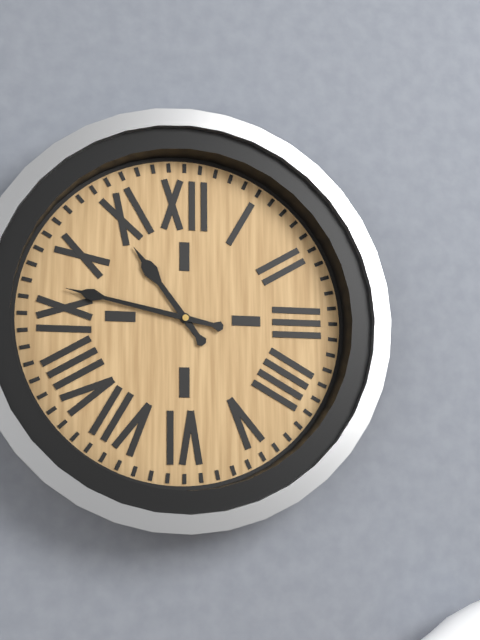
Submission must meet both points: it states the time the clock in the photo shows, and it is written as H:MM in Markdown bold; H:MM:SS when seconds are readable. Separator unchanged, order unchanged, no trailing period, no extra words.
**10:47**
